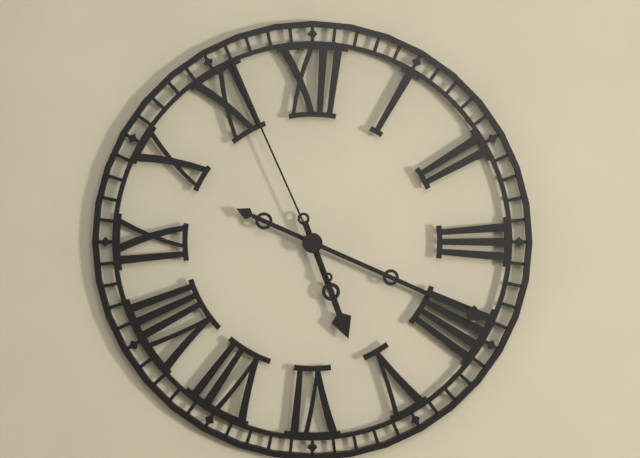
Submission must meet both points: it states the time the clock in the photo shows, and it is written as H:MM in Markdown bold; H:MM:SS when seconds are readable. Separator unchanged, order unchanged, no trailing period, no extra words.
**5:19:56**
